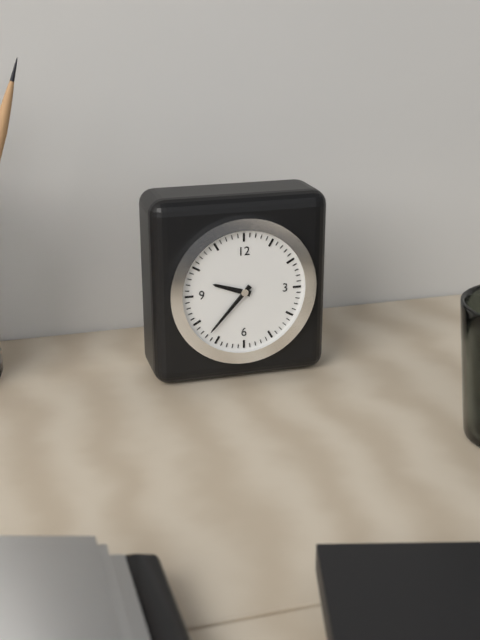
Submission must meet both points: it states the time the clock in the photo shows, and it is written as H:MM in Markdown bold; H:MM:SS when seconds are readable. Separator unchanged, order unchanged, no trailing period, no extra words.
**9:37**
